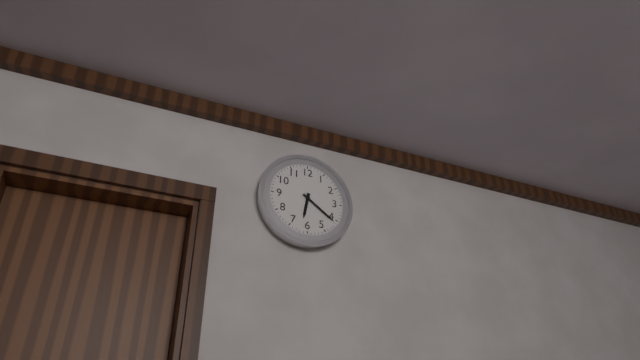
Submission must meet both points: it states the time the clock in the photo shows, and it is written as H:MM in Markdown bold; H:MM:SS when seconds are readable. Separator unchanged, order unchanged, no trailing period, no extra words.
**6:21**
